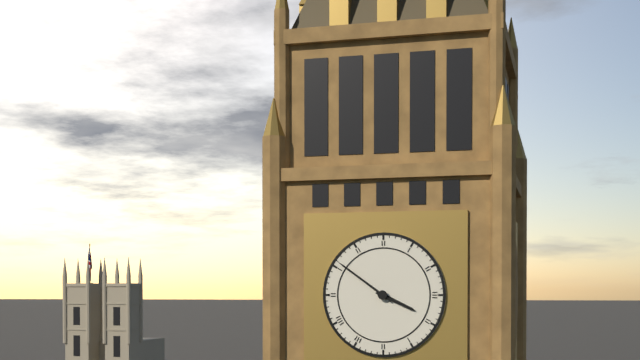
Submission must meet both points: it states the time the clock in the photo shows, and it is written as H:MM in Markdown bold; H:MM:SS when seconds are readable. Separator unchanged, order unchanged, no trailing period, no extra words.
**3:51**
